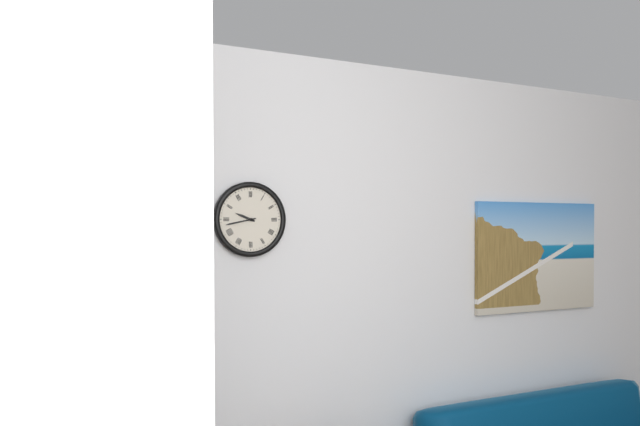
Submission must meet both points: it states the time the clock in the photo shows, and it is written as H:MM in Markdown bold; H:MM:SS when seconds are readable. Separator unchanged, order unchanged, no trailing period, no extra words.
**9:43**
